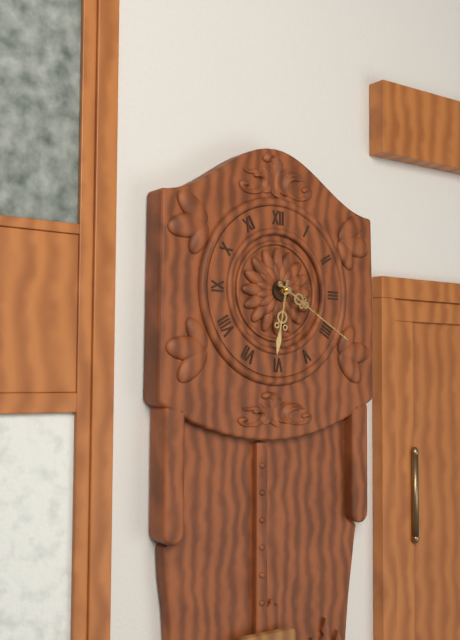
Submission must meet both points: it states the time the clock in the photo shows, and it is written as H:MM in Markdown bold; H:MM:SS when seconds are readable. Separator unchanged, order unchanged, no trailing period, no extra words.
**6:20**
